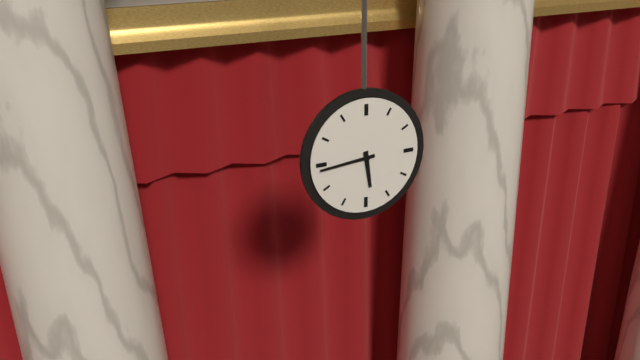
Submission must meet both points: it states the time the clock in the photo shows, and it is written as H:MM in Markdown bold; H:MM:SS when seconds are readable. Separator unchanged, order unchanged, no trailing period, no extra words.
**5:44**
